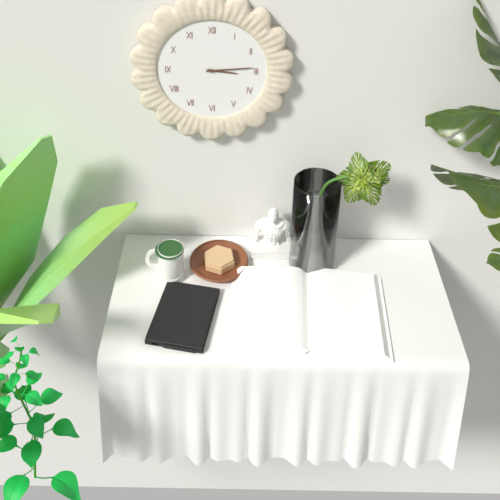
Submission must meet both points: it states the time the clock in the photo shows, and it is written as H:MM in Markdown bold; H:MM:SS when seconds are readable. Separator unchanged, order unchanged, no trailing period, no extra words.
**3:14**
